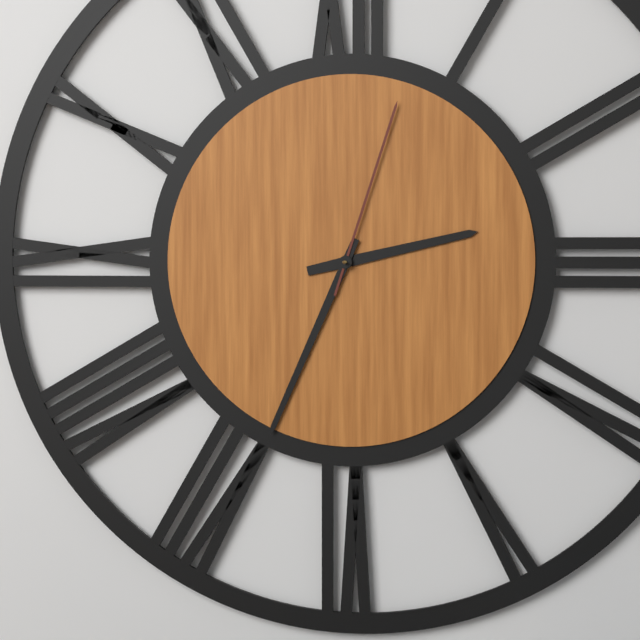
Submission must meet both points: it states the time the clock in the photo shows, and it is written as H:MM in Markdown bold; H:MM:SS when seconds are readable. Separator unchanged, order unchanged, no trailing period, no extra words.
**2:34:03**
